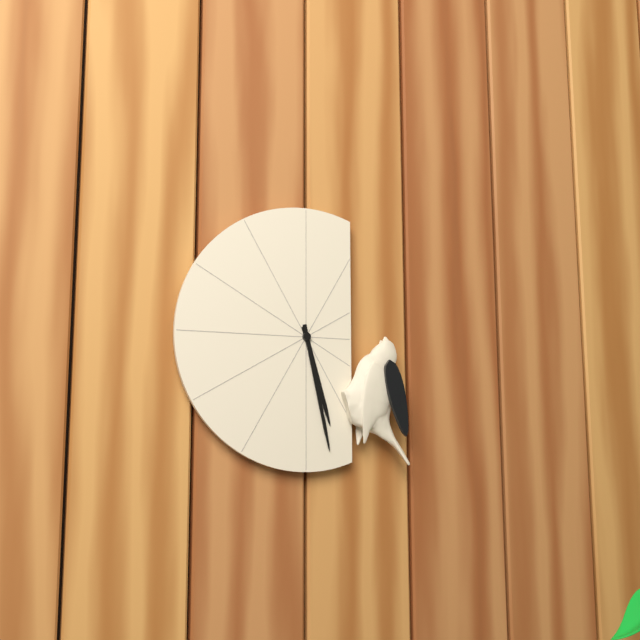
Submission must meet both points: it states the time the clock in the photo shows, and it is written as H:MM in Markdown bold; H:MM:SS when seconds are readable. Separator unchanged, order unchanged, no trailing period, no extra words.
**5:28**
